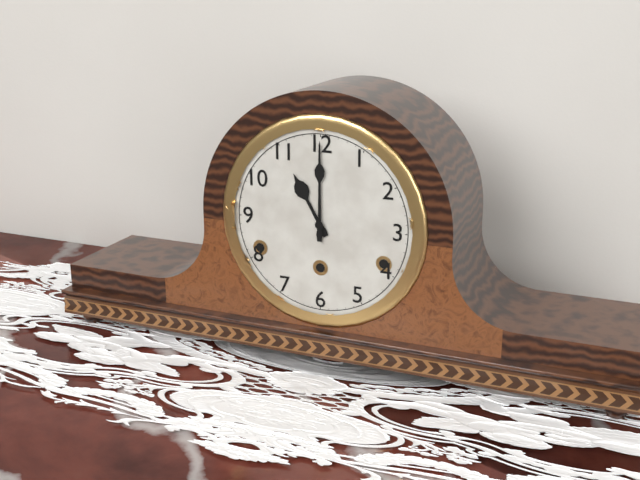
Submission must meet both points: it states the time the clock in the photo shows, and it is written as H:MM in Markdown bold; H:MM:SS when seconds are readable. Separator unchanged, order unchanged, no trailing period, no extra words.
**11:00**
